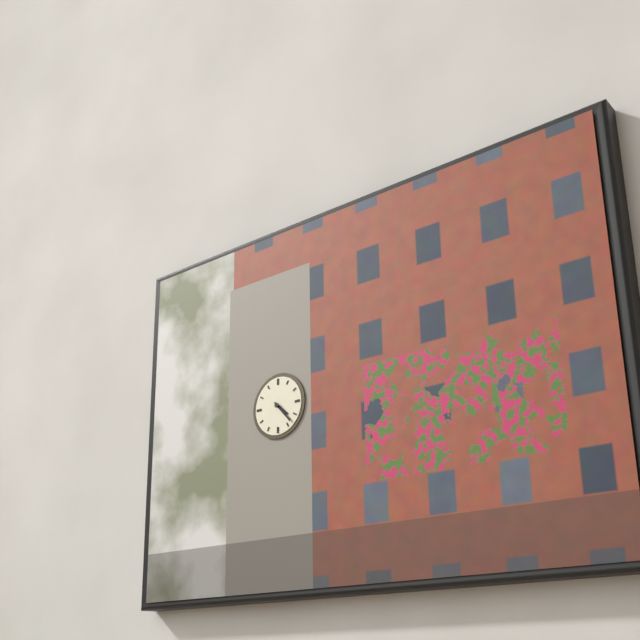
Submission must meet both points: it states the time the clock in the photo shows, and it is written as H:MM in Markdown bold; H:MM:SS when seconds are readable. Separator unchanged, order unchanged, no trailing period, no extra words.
**4:23**
